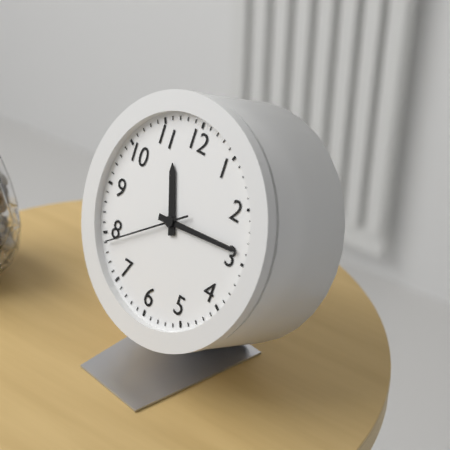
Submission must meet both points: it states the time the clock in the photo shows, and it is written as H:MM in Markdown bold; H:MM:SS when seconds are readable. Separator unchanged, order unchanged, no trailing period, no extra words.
**11:14:39**
